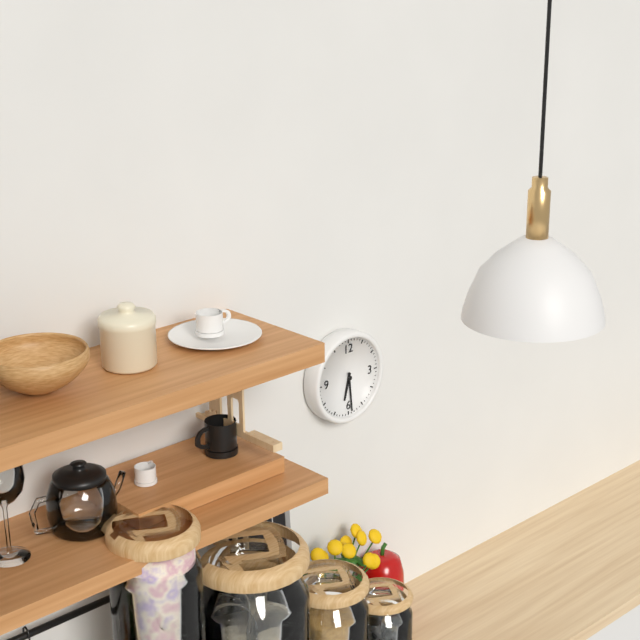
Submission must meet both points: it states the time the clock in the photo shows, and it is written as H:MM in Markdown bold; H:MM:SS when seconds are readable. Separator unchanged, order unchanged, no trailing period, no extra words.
**6:29**
